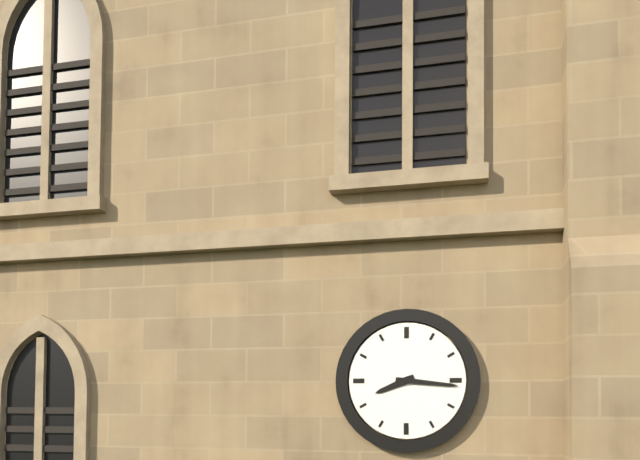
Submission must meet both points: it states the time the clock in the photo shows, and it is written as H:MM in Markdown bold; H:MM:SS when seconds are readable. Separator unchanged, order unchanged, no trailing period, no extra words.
**8:16**
